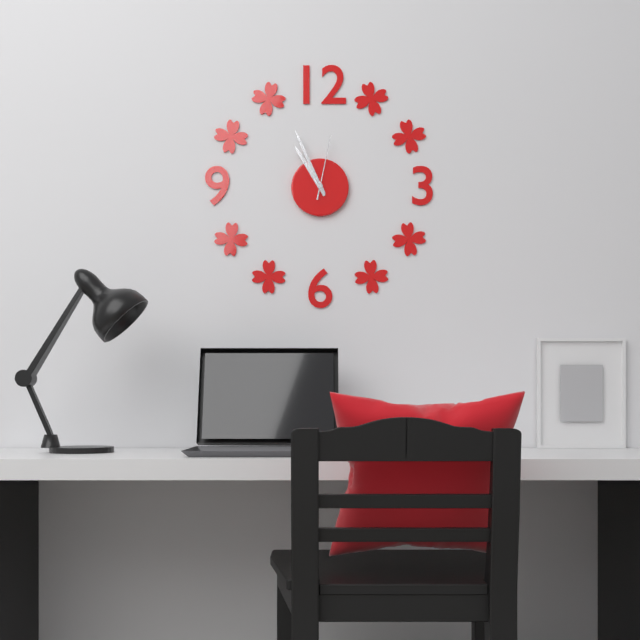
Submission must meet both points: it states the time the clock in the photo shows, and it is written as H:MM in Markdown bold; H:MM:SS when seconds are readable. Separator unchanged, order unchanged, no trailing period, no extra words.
**10:56:02**
